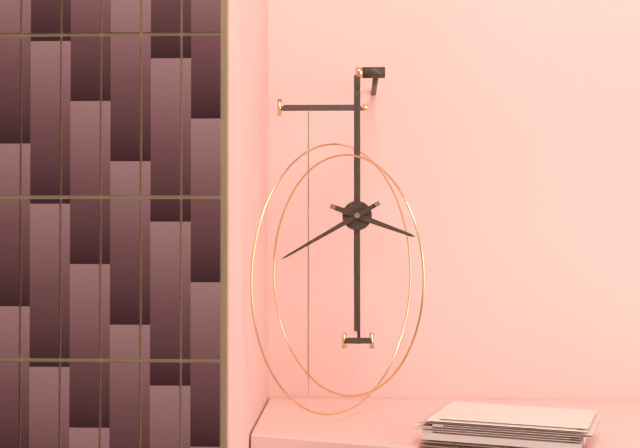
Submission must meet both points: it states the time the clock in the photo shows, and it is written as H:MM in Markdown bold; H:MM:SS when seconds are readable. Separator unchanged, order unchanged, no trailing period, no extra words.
**3:40**
